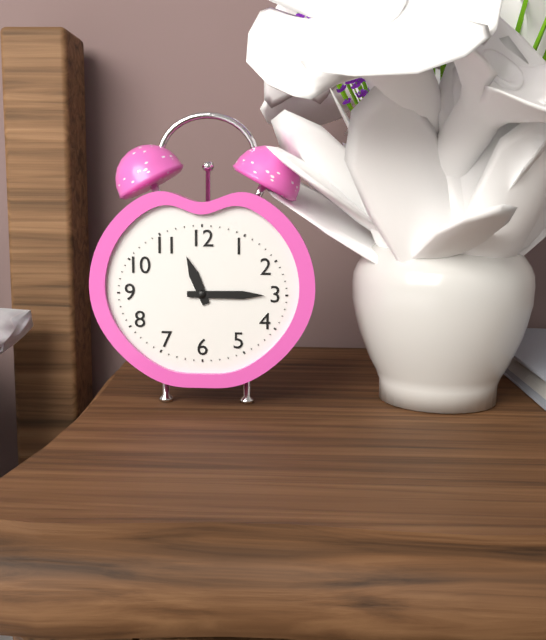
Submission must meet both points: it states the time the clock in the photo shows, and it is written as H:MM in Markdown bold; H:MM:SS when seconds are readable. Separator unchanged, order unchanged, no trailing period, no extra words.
**11:15**
